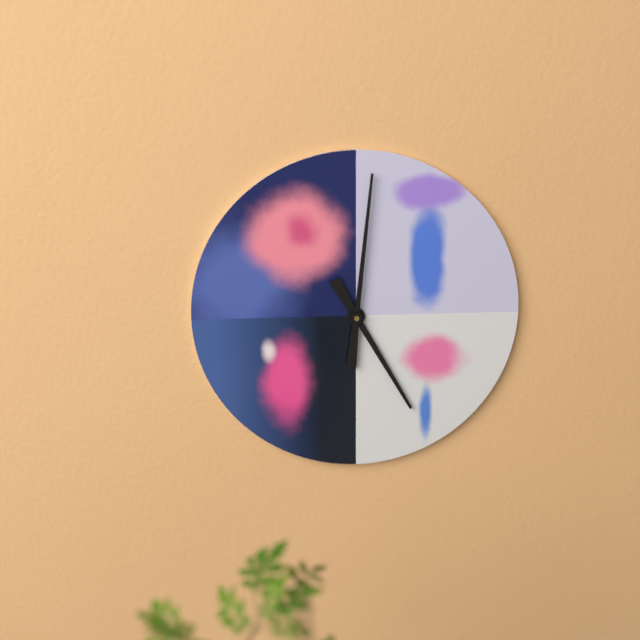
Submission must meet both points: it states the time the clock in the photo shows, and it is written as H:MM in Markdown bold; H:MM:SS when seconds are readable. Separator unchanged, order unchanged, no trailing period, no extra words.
**5:01**
